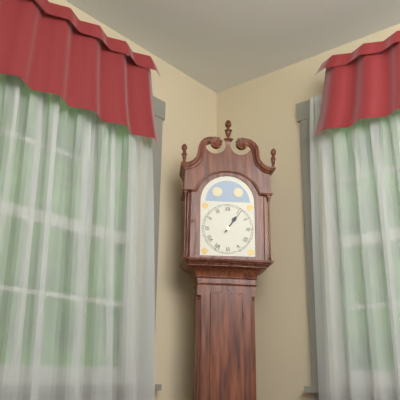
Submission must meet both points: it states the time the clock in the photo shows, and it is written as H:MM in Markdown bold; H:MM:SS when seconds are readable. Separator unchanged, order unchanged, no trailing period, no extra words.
**1:06**
